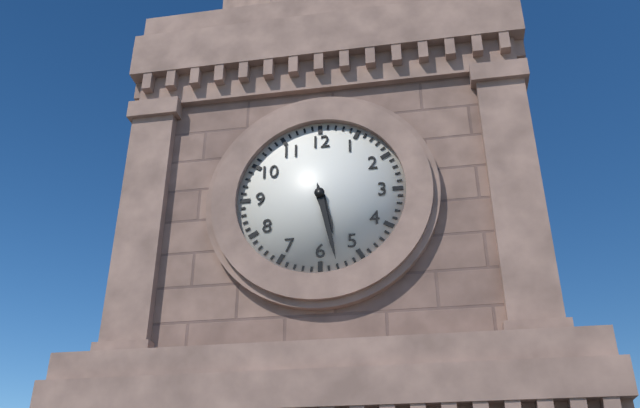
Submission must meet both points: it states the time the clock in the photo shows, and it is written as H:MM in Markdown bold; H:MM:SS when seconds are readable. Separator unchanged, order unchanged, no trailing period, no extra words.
**5:28**
